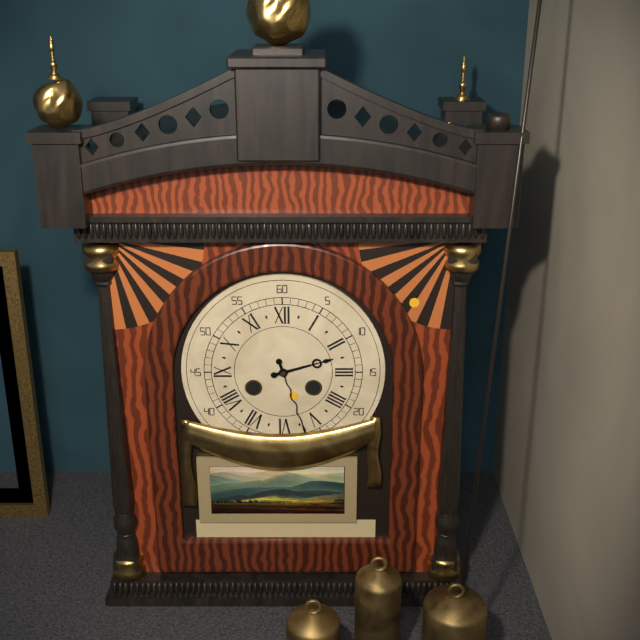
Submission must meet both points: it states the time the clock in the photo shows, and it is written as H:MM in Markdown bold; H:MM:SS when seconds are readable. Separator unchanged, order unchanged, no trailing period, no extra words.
**2:27**
